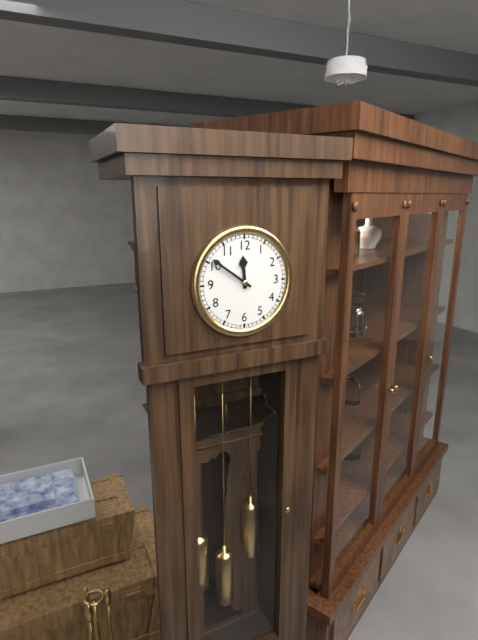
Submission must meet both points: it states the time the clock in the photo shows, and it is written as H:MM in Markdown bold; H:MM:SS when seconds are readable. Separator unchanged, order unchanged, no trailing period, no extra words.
**11:51**
